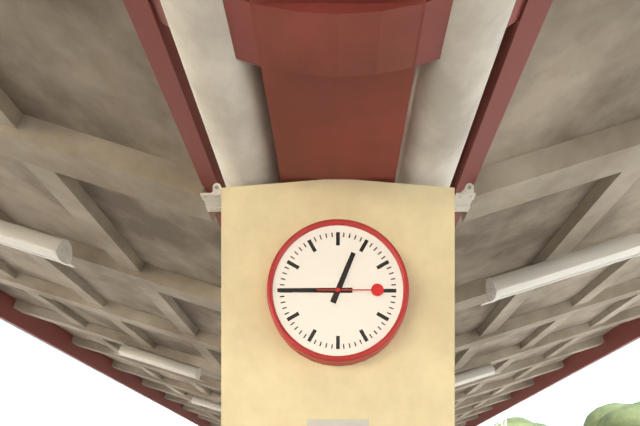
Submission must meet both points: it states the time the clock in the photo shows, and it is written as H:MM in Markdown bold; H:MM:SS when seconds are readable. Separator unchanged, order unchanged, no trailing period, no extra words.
**12:45:15**
